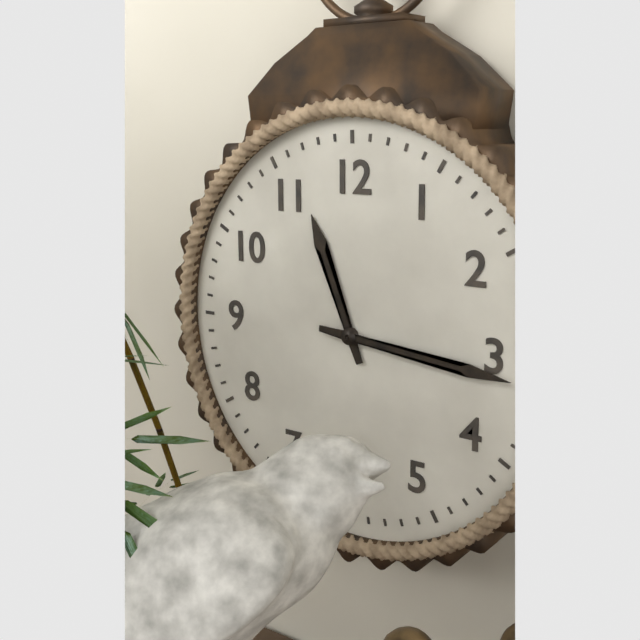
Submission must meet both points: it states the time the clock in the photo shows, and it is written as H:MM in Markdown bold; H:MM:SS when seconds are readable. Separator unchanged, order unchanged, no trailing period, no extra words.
**11:16**
